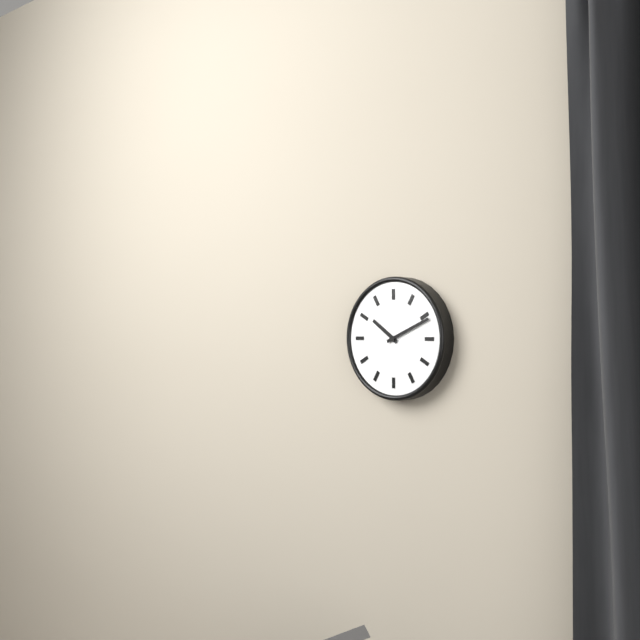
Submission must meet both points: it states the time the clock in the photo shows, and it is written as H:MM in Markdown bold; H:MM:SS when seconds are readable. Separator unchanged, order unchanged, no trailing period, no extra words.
**10:11**
